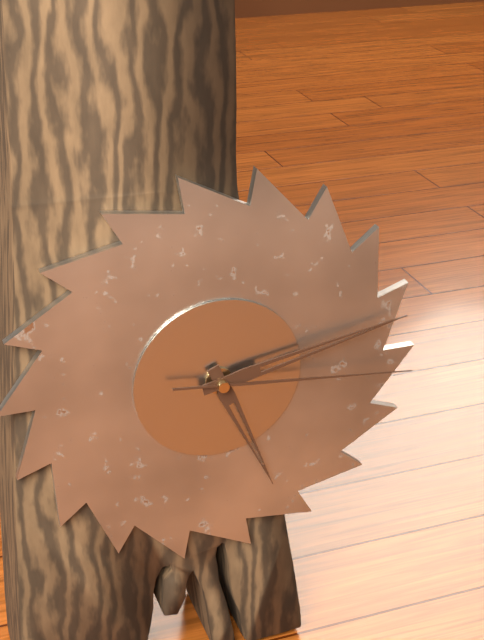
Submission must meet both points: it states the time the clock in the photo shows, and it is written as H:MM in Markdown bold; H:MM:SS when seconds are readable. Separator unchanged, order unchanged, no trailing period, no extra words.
**5:13:16**
